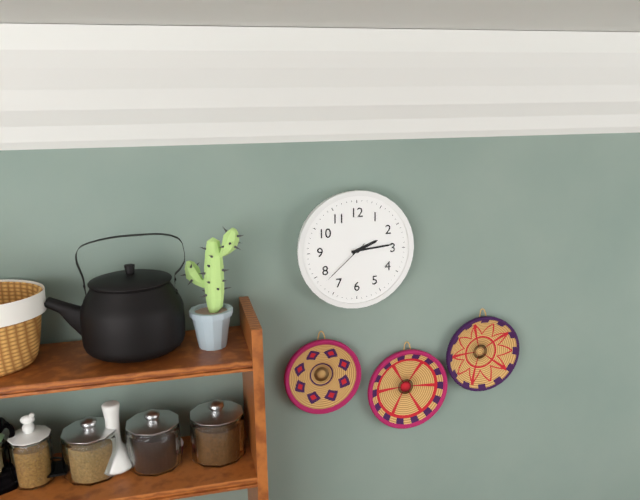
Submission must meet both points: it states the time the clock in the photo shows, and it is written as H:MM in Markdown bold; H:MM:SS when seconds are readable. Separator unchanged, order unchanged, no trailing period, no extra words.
**2:14:38**
